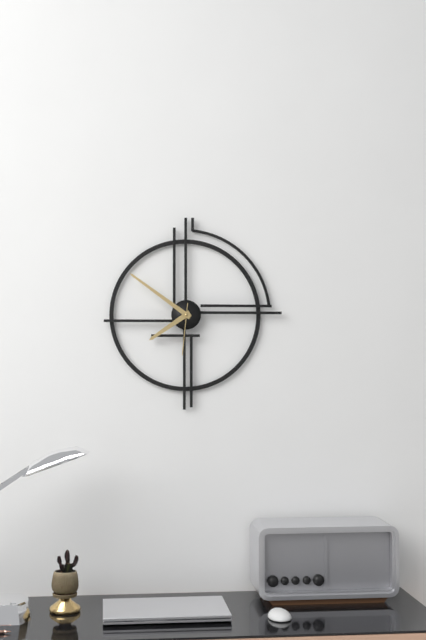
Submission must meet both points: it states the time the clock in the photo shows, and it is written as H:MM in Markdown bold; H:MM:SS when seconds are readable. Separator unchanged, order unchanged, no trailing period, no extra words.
**7:51:31**
